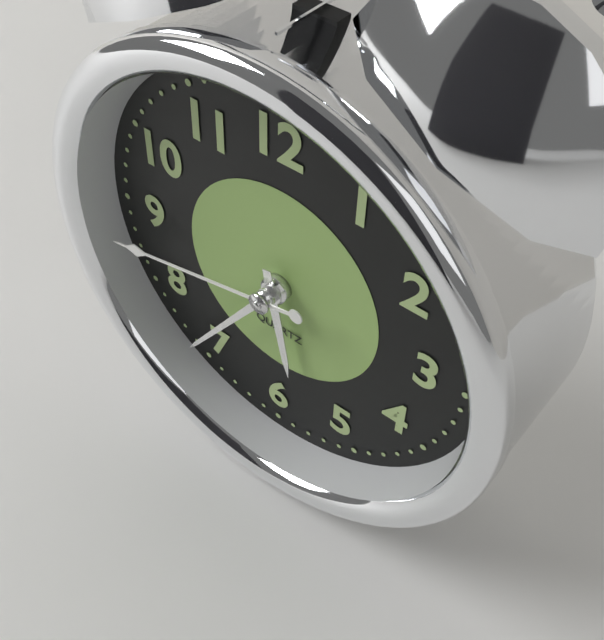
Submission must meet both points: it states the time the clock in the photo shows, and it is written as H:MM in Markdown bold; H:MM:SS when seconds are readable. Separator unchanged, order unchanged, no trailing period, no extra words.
**5:36:43**
